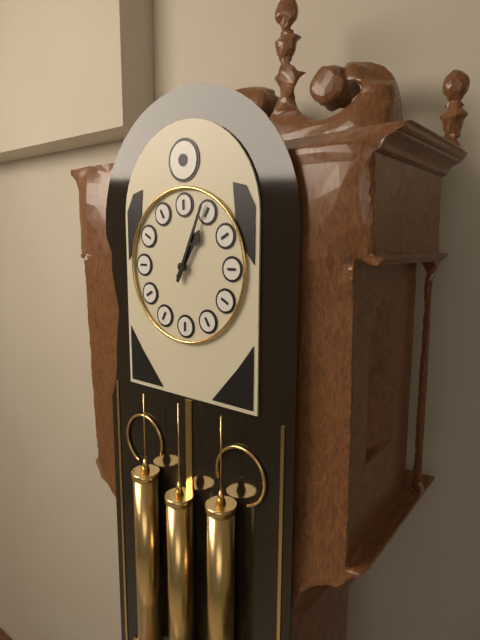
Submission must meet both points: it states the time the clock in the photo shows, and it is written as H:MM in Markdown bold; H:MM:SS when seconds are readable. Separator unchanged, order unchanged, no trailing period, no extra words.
**1:04**
